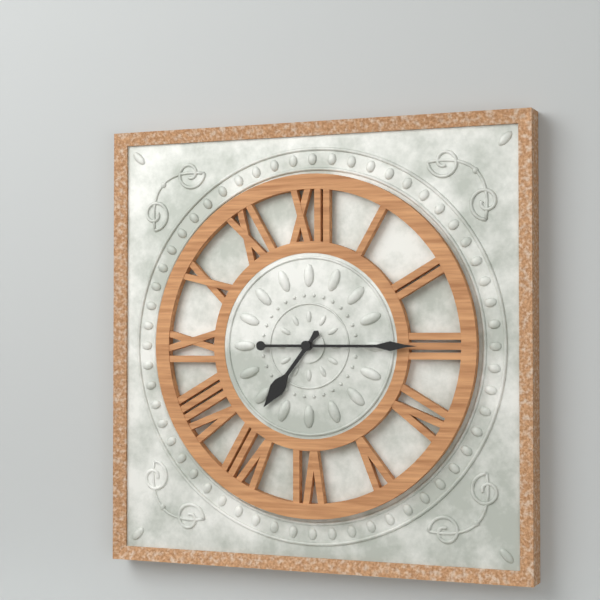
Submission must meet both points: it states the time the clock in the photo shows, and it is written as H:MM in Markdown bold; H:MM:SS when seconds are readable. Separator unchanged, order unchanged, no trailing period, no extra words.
**7:15**
